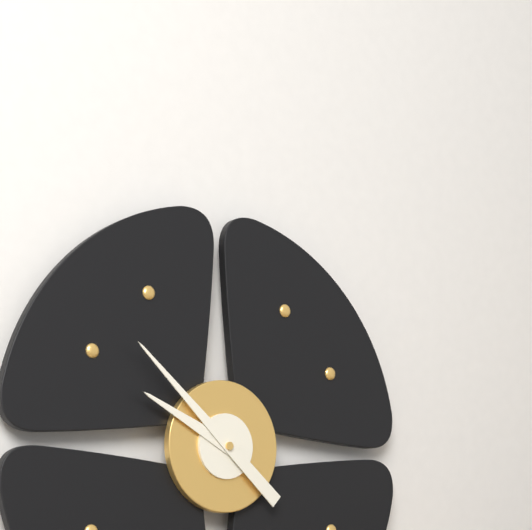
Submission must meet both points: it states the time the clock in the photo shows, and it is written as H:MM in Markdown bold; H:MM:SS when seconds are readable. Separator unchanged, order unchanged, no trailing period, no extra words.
**9:52**
